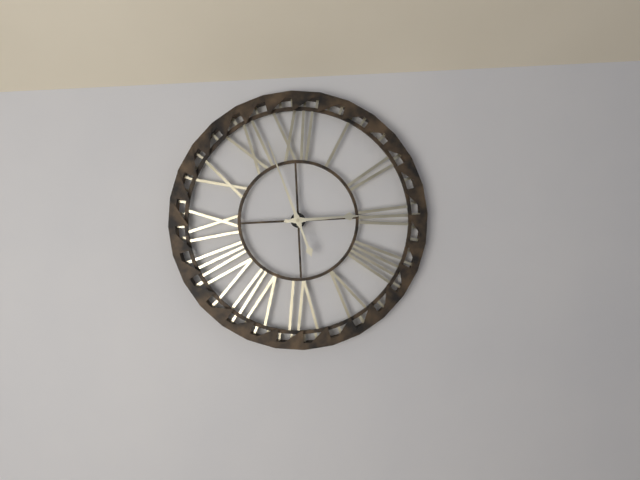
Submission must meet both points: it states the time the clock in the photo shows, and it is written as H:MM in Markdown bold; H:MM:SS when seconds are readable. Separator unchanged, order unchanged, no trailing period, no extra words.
**2:57**
